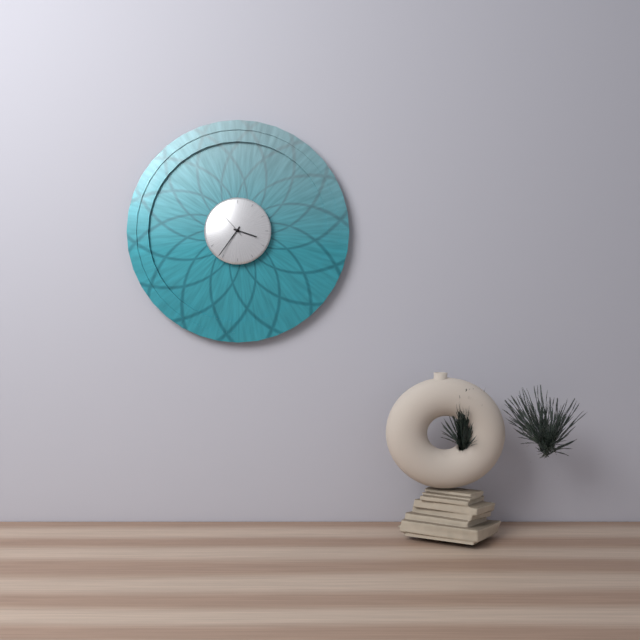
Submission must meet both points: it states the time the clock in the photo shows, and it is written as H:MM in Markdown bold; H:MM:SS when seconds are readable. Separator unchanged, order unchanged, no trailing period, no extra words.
**3:36**
